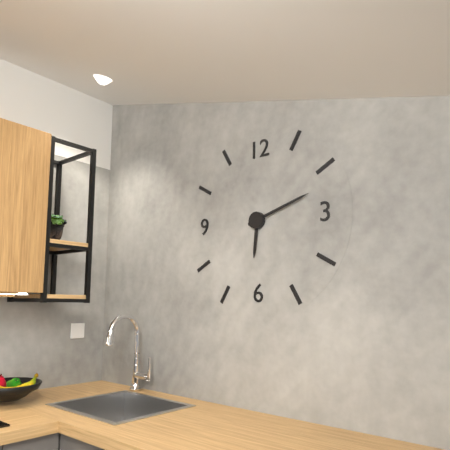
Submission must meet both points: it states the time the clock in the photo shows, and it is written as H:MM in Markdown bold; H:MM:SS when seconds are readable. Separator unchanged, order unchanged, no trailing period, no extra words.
**6:12**
